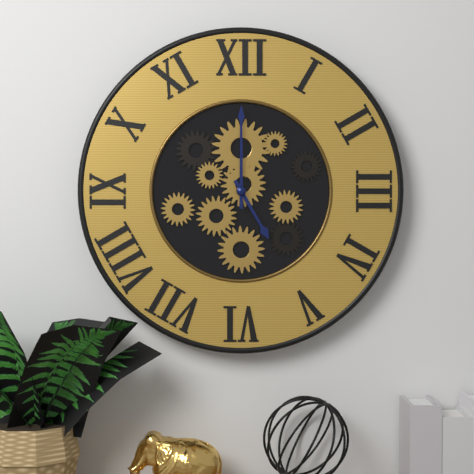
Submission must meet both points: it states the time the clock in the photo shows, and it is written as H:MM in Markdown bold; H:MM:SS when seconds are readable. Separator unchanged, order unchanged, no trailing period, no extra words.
**5:00**
